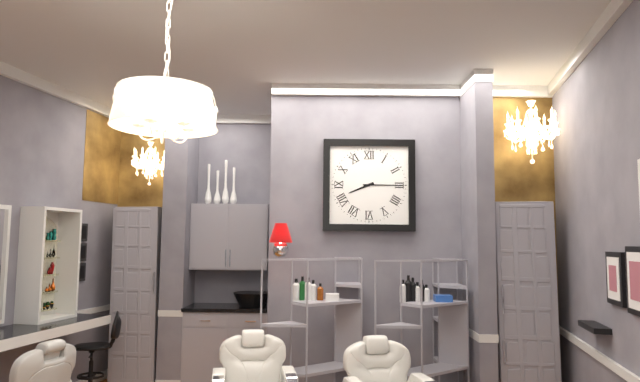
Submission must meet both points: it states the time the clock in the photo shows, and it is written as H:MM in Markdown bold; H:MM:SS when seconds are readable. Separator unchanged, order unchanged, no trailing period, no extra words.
**8:15**
